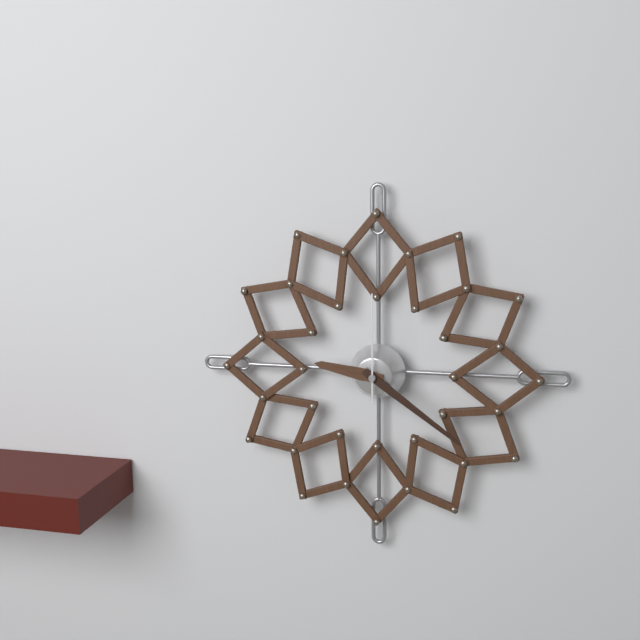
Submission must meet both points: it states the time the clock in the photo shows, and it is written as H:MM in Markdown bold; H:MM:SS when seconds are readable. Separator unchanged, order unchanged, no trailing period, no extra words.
**9:21:00**
